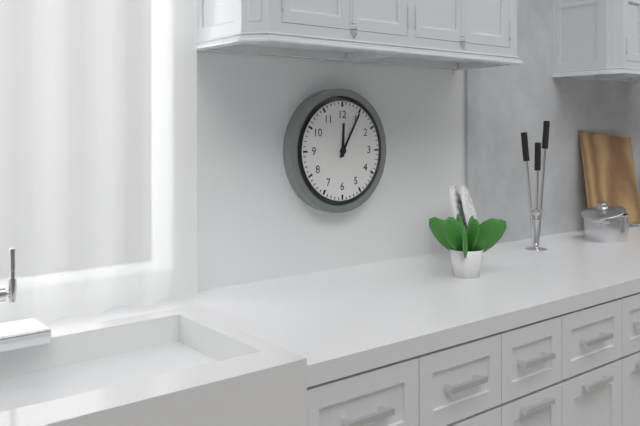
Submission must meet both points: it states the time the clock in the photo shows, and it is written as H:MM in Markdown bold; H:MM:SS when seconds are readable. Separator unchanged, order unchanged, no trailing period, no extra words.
**12:05**
